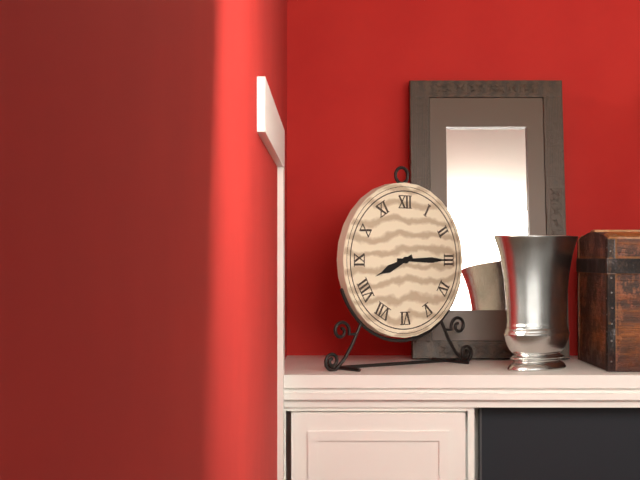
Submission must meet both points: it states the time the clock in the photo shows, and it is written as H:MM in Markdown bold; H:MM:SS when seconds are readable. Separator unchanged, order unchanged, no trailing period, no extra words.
**8:15**
